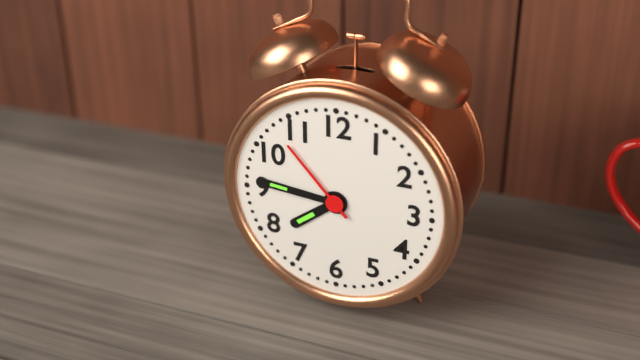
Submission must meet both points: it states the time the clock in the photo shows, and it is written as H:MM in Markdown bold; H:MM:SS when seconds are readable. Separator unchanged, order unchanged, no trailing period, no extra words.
**7:46:53**
